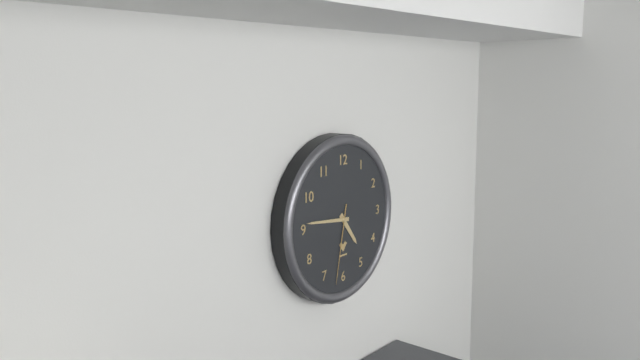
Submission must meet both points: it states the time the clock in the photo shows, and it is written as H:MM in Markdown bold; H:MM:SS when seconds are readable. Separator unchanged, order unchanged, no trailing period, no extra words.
**4:46:32**
